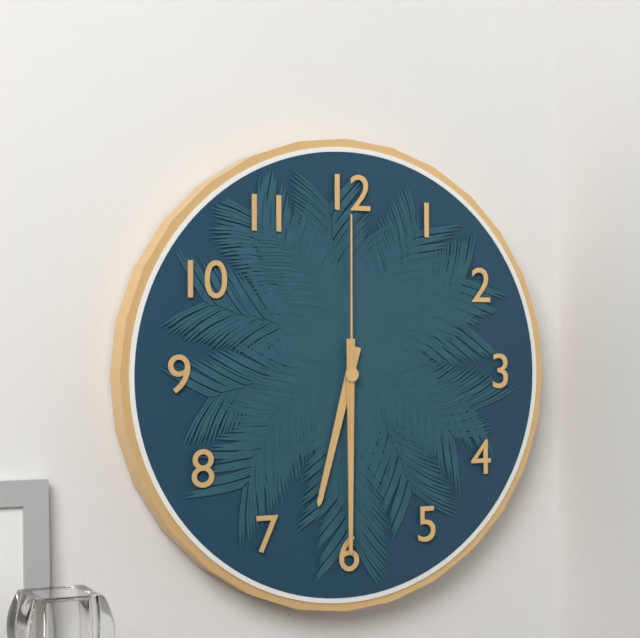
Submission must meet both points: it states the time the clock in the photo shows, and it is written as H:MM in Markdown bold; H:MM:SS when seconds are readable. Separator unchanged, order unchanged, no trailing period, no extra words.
**6:30:00**
